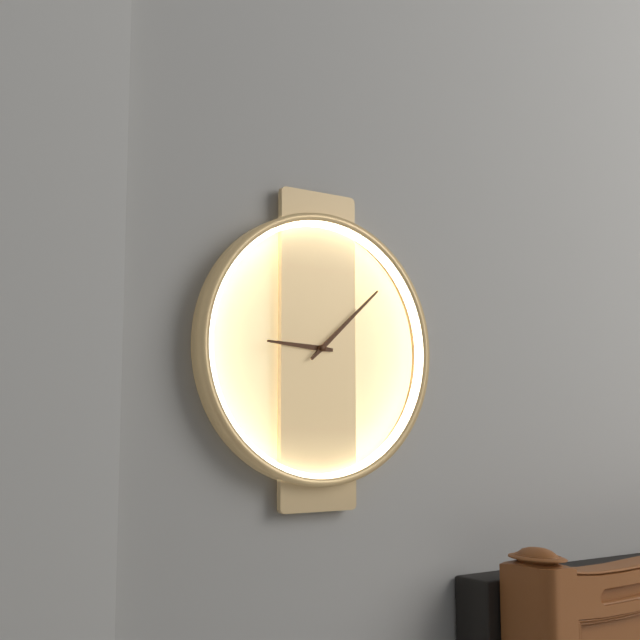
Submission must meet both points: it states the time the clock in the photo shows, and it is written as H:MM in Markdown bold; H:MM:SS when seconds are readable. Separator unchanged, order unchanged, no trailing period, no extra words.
**9:08**
